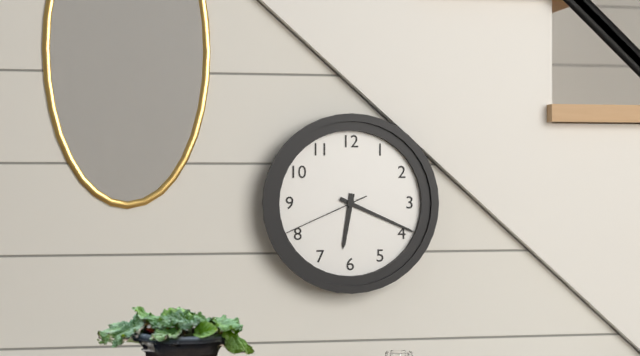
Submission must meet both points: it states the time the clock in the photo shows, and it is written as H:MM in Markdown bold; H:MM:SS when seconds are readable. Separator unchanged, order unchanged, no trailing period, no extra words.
**6:19:41**
